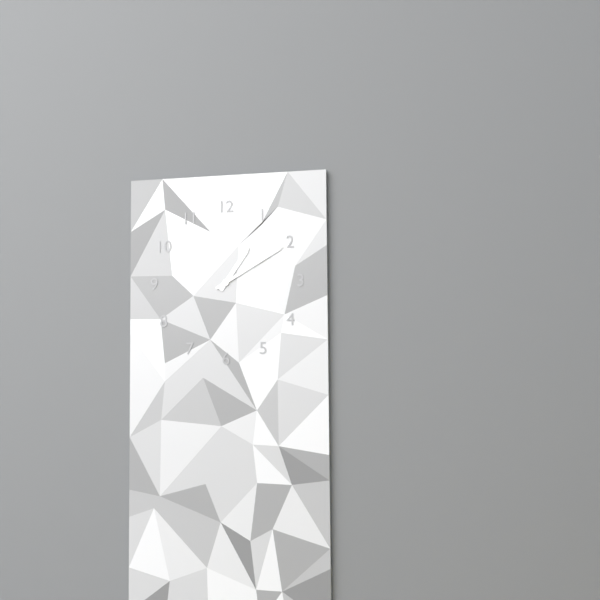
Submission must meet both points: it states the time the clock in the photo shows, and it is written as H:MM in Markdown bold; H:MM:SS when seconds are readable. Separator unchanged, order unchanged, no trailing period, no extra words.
**1:10**
